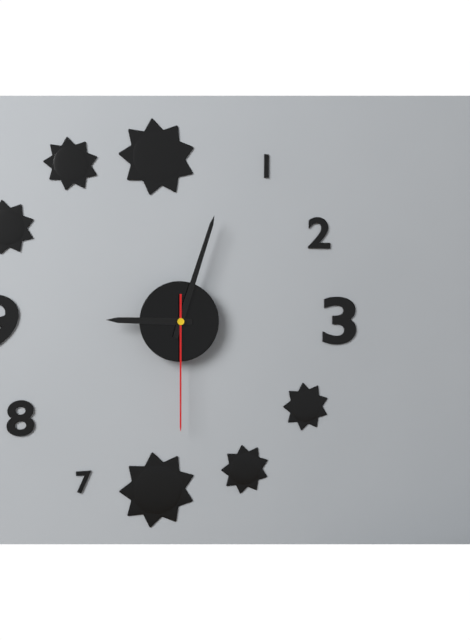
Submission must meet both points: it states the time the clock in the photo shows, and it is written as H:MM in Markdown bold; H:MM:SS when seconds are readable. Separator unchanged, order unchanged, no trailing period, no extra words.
**9:03:30**
